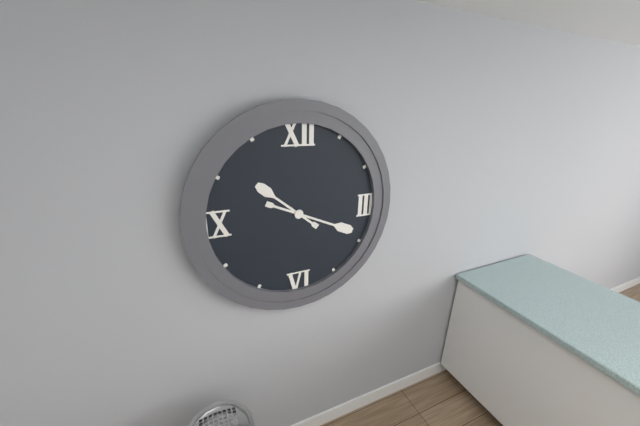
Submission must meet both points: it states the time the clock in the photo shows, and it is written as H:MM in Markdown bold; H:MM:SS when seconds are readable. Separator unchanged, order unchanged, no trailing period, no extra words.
**10:19**
